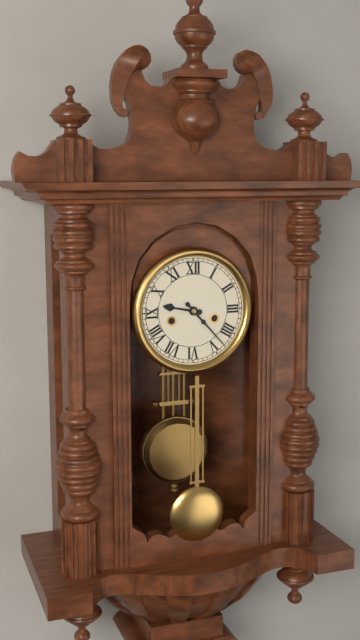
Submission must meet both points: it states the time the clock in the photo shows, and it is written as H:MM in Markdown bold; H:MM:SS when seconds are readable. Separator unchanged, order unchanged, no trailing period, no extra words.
**9:23**
